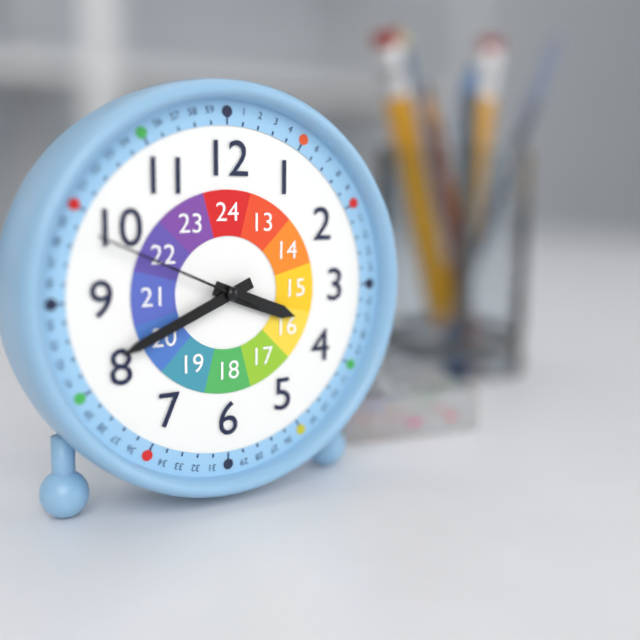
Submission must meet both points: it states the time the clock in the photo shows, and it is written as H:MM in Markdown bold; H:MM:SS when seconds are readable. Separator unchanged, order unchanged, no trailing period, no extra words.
**3:41:49**
